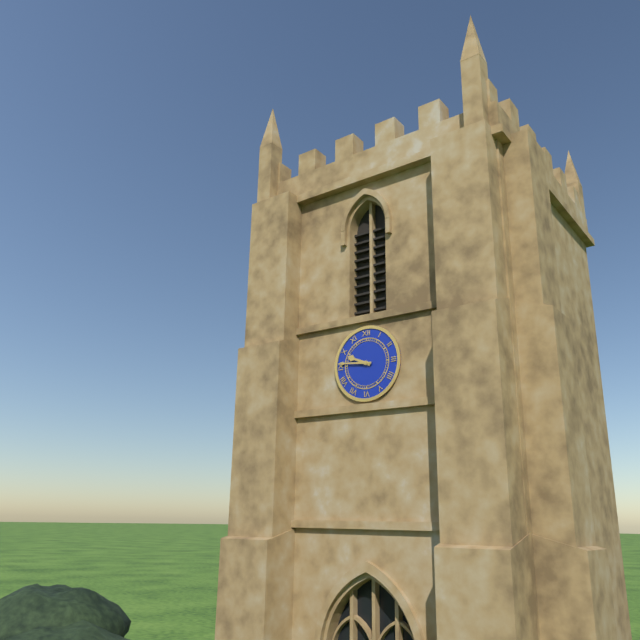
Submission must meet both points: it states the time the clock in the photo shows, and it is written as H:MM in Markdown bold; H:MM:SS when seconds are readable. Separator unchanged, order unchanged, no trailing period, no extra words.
**9:46**
